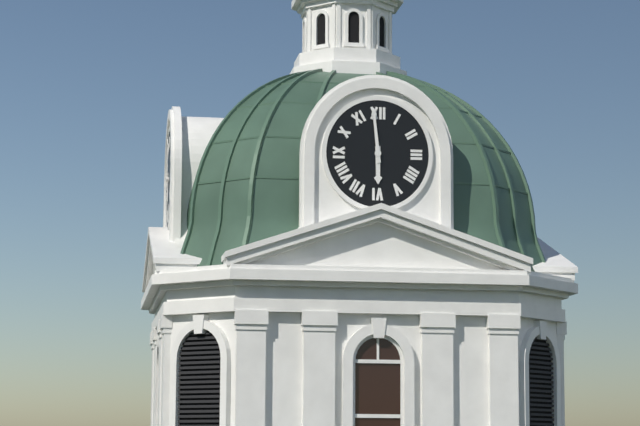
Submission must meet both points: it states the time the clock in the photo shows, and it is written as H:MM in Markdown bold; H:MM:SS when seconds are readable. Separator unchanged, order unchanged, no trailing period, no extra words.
**5:59**
